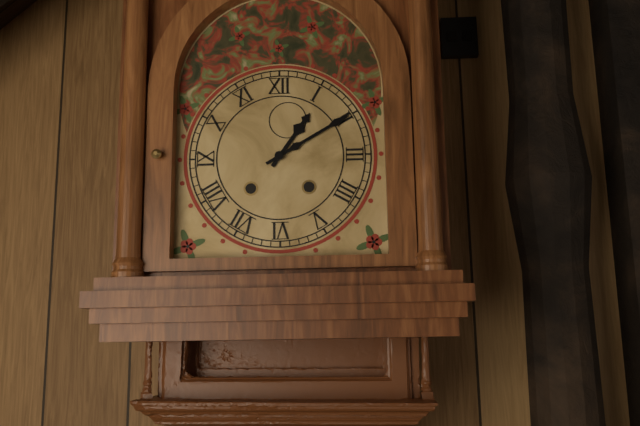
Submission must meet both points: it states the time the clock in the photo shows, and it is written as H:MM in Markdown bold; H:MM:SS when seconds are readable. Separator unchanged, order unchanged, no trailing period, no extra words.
**1:10**
